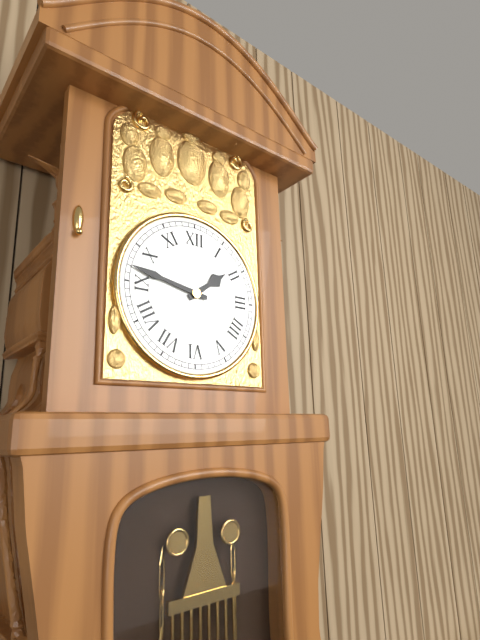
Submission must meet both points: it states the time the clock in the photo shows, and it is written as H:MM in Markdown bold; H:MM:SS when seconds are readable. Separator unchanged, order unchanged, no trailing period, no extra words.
**1:47**
